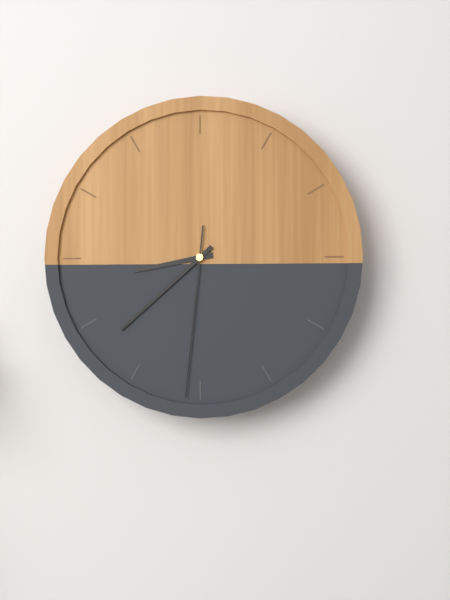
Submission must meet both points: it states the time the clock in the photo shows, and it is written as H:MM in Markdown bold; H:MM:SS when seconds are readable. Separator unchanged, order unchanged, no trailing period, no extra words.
**8:38:31**
